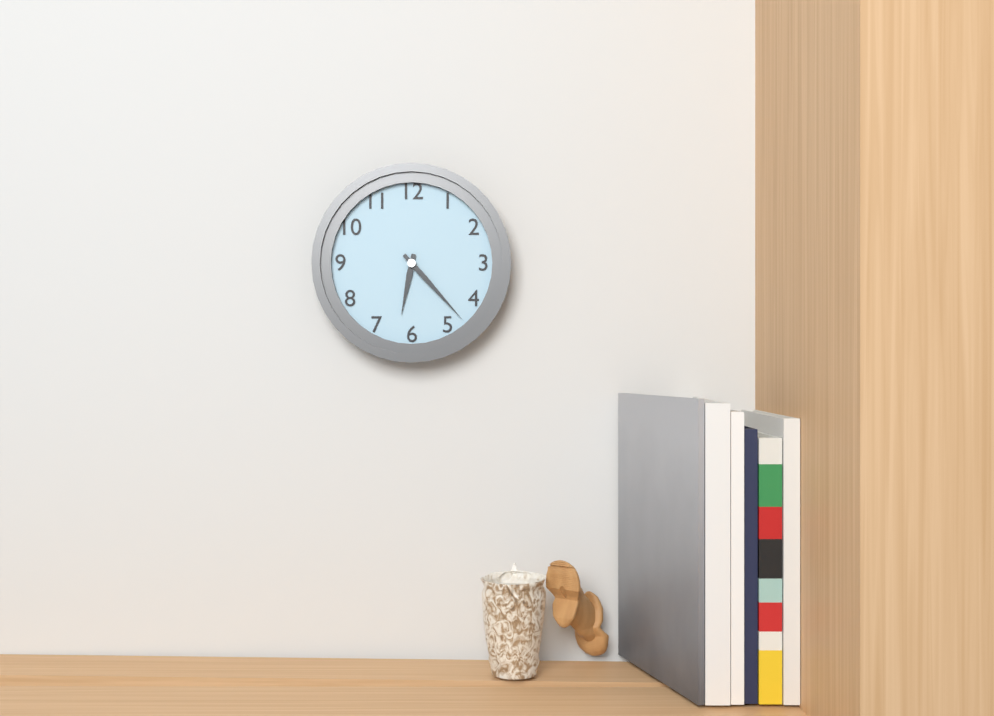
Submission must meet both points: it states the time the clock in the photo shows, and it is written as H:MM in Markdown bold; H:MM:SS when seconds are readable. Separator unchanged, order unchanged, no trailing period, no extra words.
**6:23**
